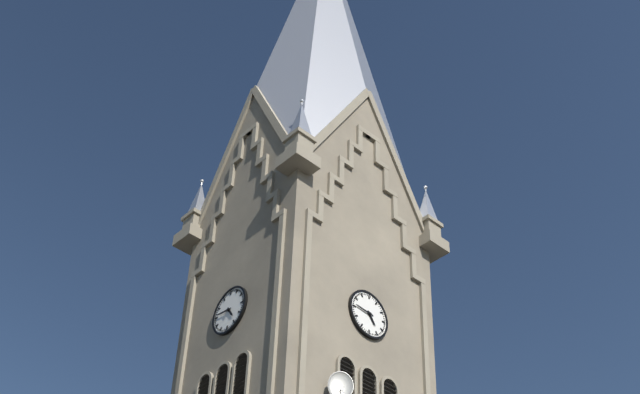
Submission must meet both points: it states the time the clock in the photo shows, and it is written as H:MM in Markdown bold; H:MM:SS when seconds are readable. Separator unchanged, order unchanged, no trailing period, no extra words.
**4:46**
